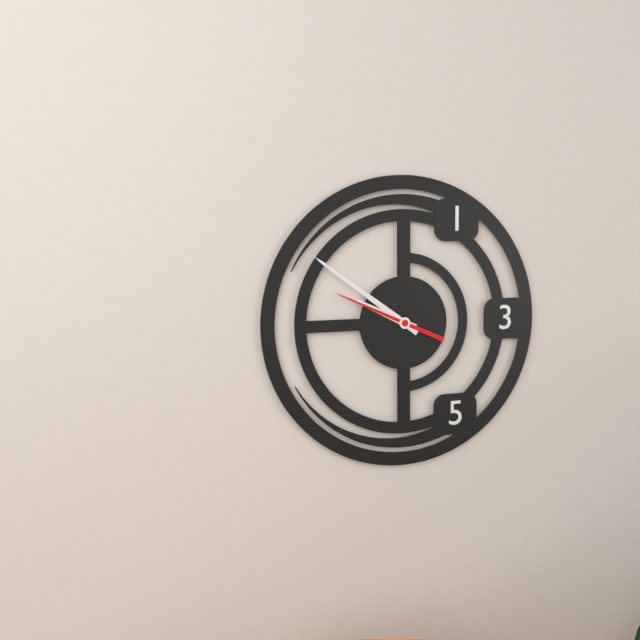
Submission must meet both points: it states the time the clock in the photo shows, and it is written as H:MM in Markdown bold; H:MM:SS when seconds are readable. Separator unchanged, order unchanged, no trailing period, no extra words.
**9:51:49**
